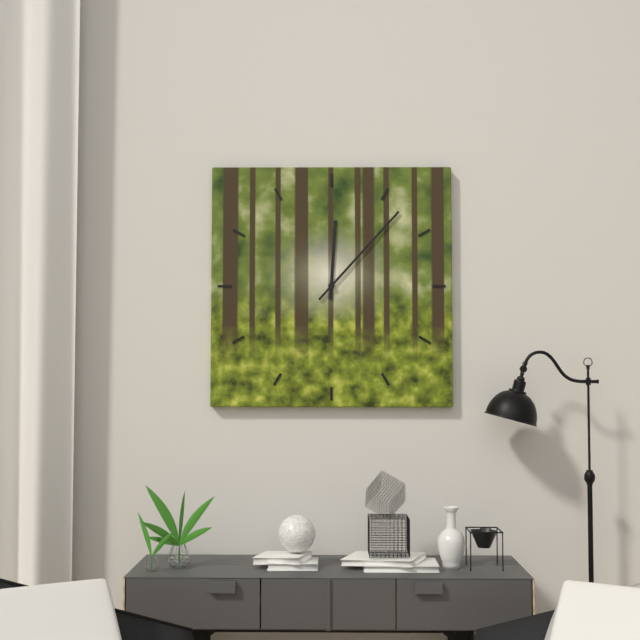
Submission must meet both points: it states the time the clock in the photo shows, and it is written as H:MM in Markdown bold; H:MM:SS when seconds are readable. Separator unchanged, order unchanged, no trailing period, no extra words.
**12:07**
